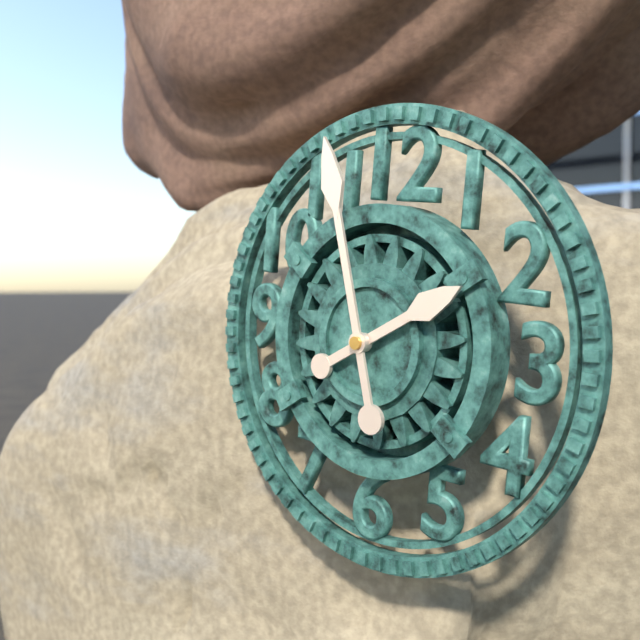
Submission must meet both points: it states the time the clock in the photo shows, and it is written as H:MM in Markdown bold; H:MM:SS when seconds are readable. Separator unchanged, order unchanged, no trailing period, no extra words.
**1:57**
